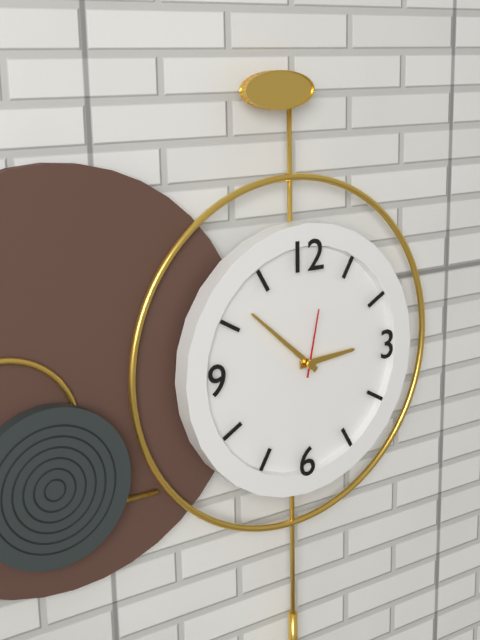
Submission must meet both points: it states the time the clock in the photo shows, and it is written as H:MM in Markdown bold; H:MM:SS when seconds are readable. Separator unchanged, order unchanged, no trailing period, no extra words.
**2:52:02**
